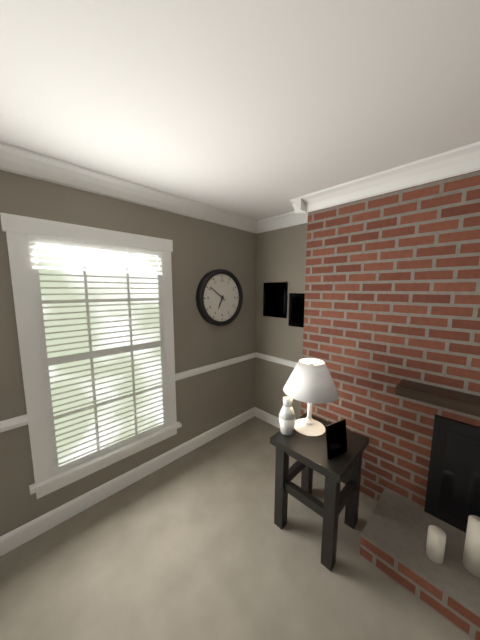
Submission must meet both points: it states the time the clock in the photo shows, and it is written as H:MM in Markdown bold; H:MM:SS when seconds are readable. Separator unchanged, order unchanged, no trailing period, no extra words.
**6:51**
